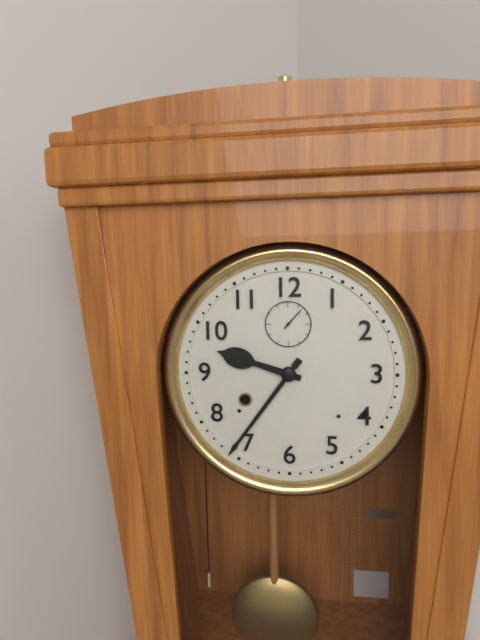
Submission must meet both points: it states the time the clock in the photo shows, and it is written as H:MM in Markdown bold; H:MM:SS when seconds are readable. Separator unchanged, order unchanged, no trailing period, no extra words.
**9:36**
